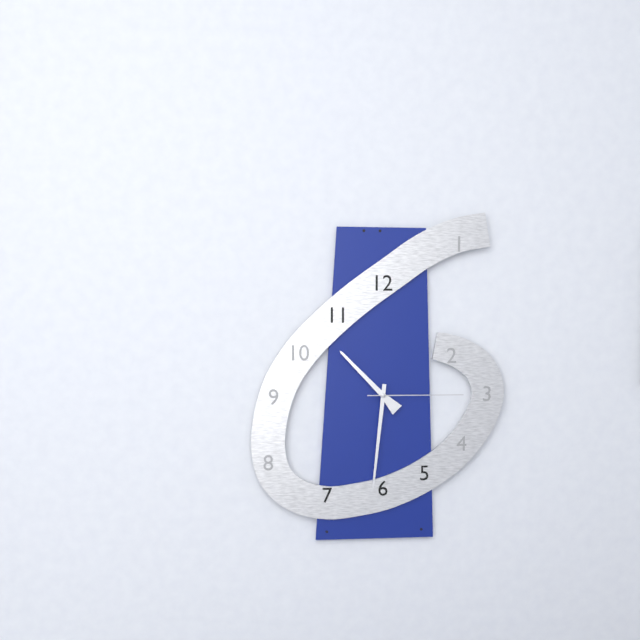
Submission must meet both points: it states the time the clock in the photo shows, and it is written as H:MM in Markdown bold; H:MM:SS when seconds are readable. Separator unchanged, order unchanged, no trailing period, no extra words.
**10:31:15**
